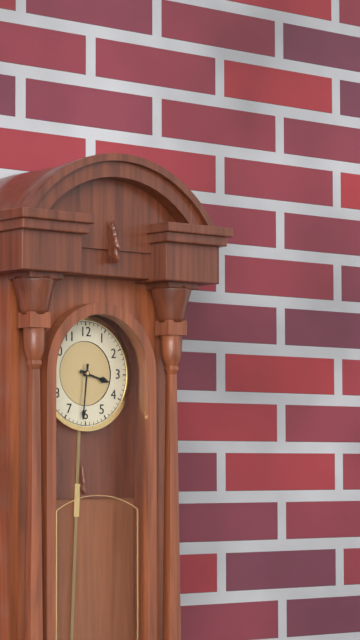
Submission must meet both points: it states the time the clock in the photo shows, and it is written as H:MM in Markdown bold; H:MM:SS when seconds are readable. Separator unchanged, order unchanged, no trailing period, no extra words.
**3:31**
